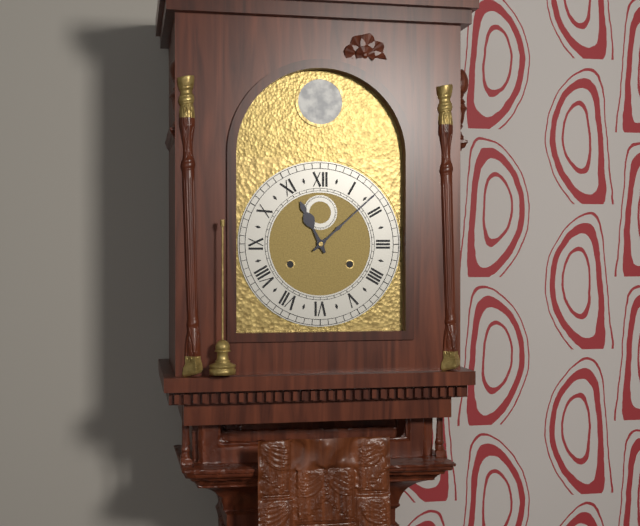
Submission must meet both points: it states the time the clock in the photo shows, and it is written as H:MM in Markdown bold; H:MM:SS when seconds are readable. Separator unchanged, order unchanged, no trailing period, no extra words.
**11:08**
